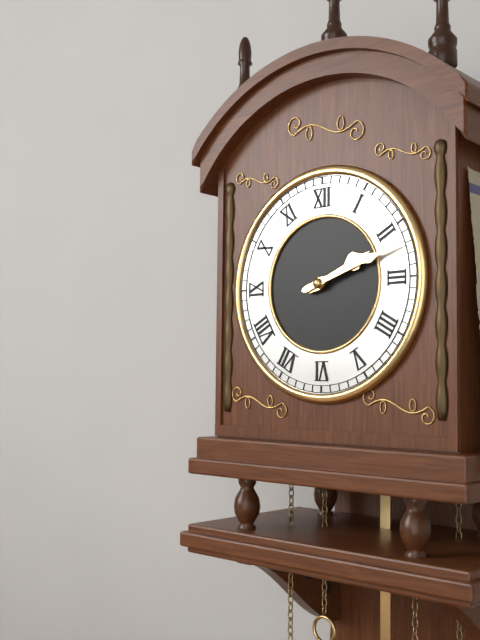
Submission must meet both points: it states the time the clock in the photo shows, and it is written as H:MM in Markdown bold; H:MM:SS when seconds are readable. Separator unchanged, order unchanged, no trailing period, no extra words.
**2:12**
